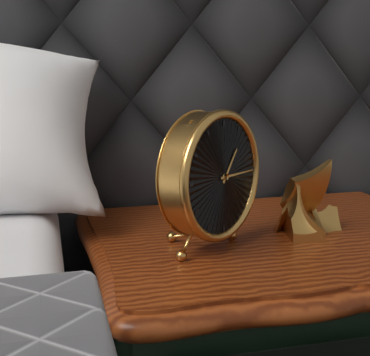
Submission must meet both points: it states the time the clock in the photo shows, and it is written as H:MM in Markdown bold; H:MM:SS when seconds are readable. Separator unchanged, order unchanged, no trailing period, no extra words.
**1:15**
